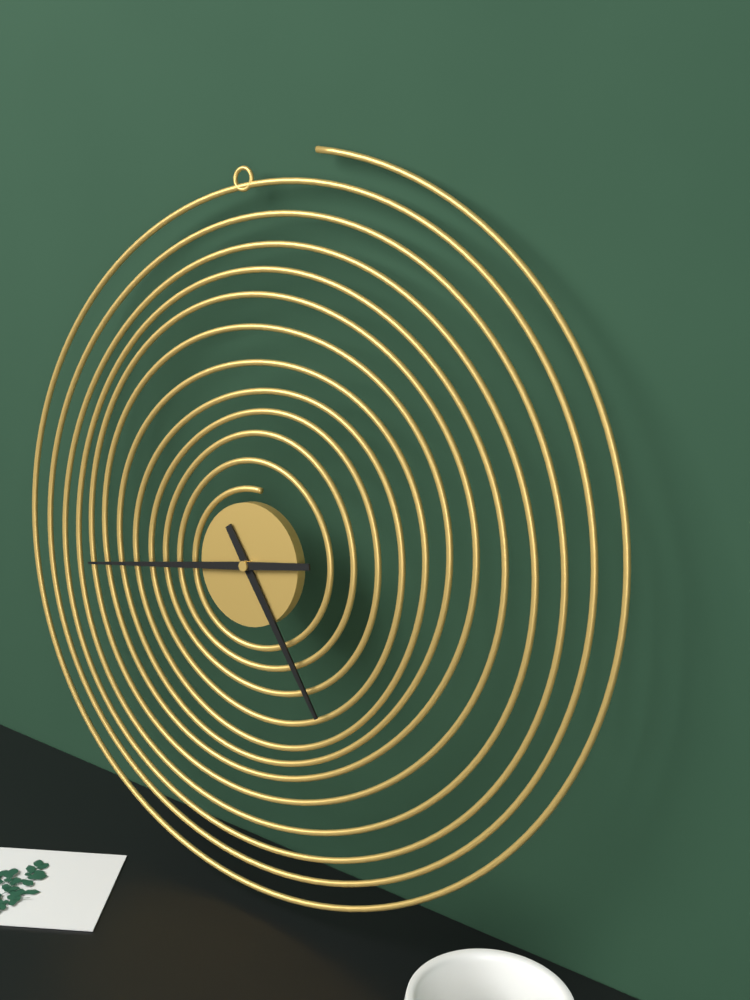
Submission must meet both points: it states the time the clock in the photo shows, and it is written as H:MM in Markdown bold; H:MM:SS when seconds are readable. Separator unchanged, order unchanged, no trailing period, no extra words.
**4:43**
